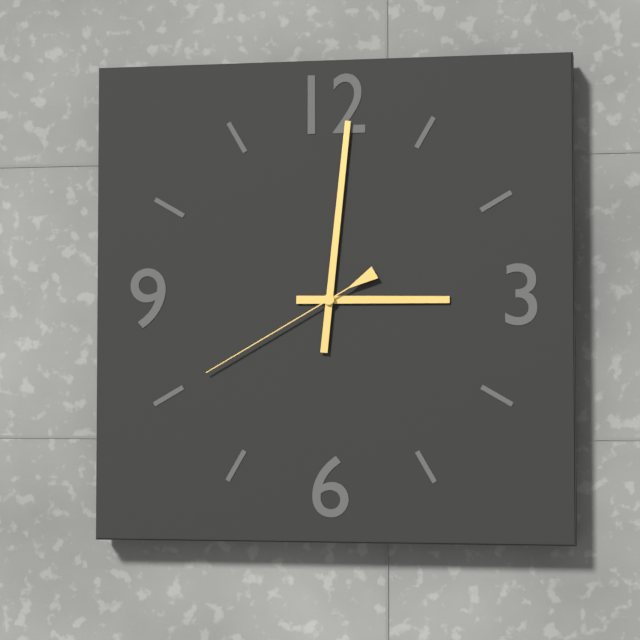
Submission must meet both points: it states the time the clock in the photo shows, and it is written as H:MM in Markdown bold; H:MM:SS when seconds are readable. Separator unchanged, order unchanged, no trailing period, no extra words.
**3:01:40**
